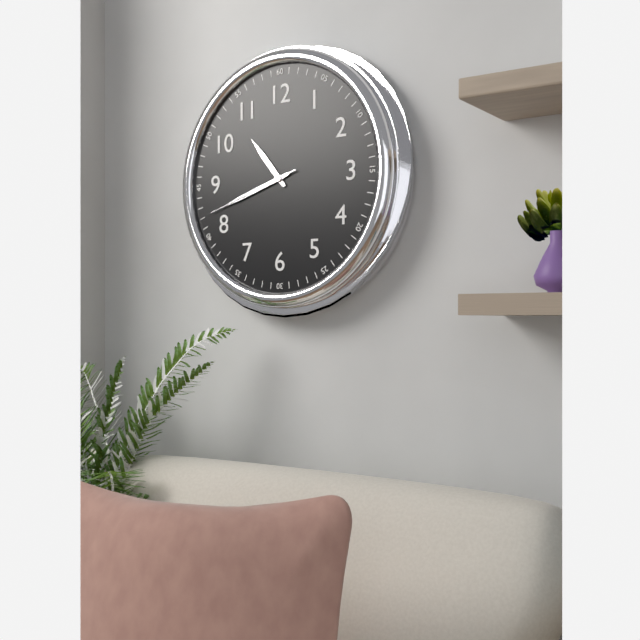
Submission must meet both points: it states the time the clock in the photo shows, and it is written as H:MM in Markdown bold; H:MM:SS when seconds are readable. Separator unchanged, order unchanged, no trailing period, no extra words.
**10:42:42**
